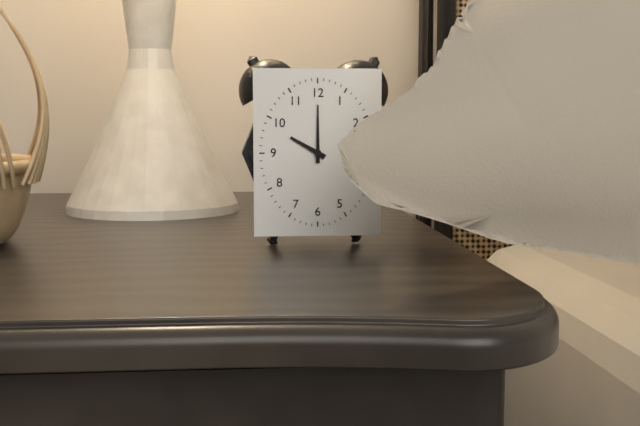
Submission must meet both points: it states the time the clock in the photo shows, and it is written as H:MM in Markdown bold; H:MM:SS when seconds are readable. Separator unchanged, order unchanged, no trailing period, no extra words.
**10:00**
